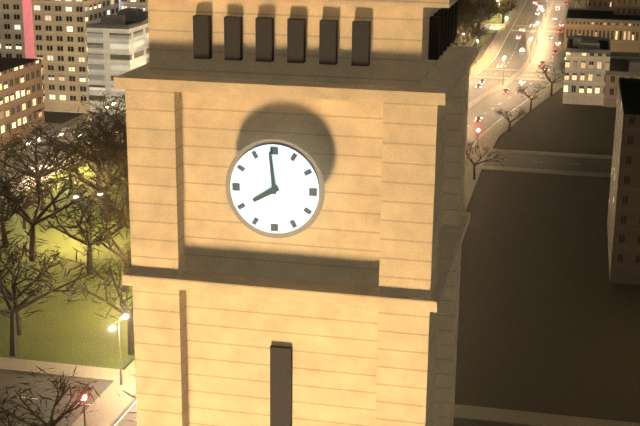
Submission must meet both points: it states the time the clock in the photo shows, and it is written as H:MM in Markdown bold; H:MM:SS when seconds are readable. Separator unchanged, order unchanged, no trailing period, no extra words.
**7:59**
